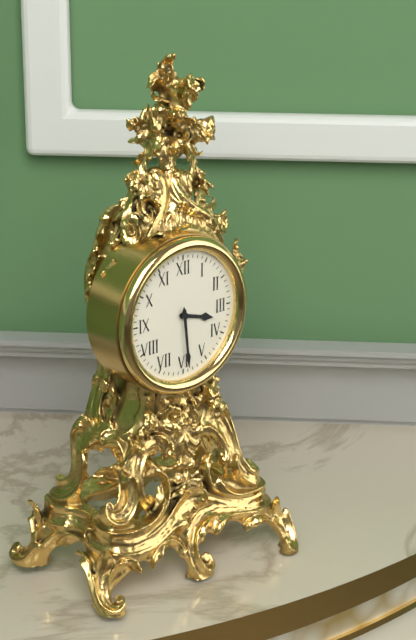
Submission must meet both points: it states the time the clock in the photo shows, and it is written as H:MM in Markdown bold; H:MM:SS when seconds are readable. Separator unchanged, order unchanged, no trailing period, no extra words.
**3:29**
